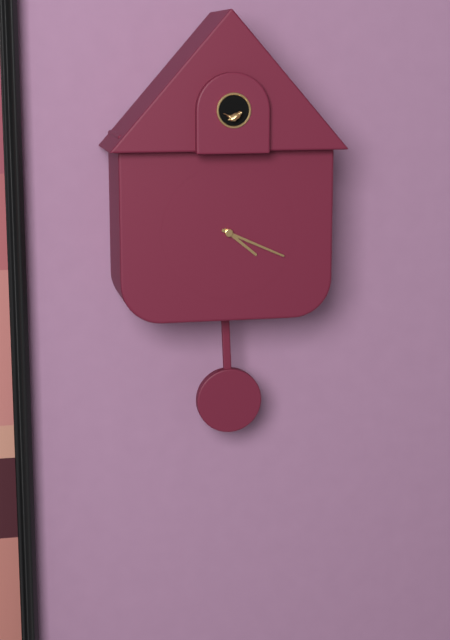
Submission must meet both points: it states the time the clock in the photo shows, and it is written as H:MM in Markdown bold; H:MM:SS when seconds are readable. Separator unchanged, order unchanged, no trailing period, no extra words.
**4:19**
